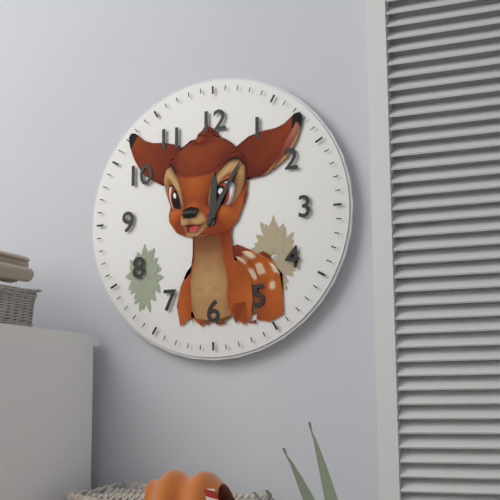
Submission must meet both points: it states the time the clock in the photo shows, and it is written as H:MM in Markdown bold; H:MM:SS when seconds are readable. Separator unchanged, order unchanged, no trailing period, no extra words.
**12:05**
